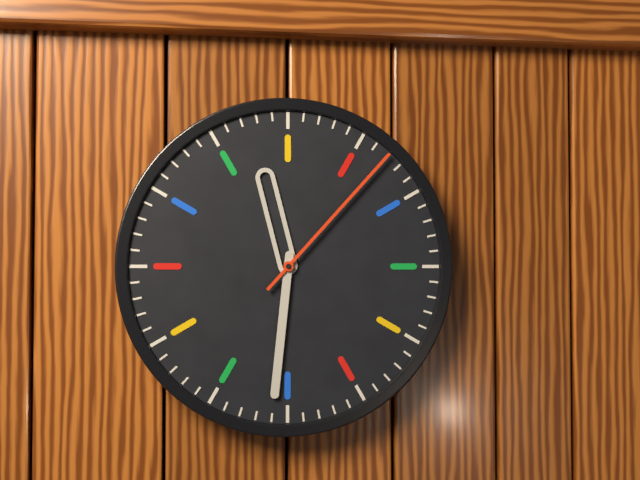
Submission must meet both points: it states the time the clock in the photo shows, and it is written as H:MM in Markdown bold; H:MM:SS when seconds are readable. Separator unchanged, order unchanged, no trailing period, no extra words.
**11:31:07**
